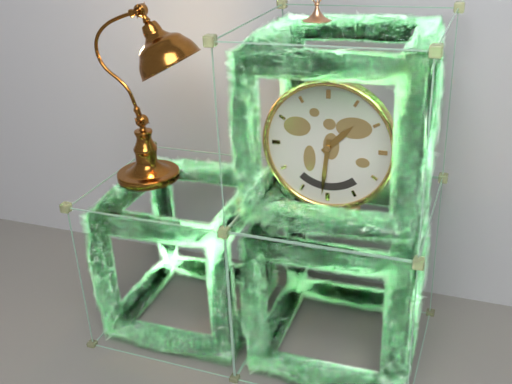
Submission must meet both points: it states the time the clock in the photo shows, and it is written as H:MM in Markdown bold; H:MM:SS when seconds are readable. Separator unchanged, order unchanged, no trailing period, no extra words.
**1:31**
